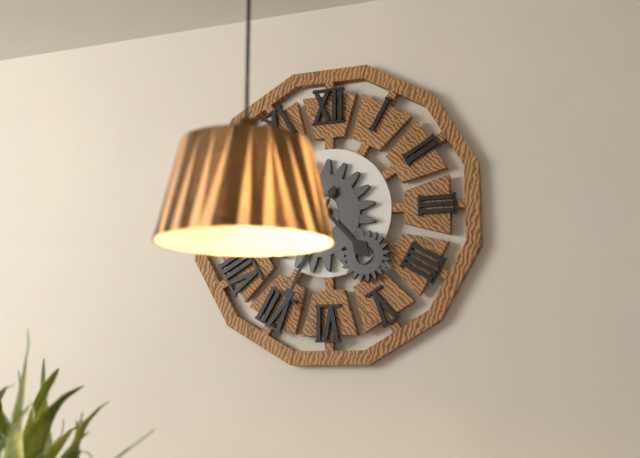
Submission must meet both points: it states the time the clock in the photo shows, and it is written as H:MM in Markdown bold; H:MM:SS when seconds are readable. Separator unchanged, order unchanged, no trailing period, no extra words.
**4:34**
